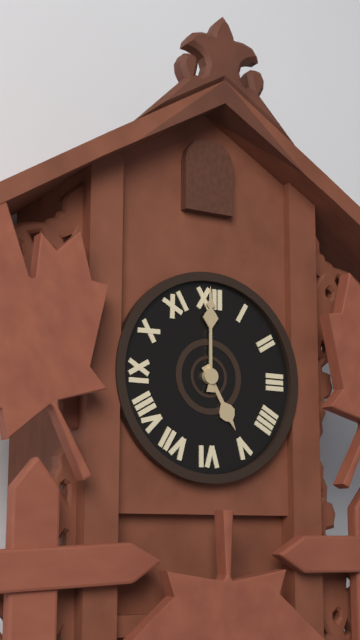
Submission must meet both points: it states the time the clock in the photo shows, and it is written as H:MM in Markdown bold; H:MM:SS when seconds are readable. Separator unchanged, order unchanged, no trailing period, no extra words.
**5:00**
